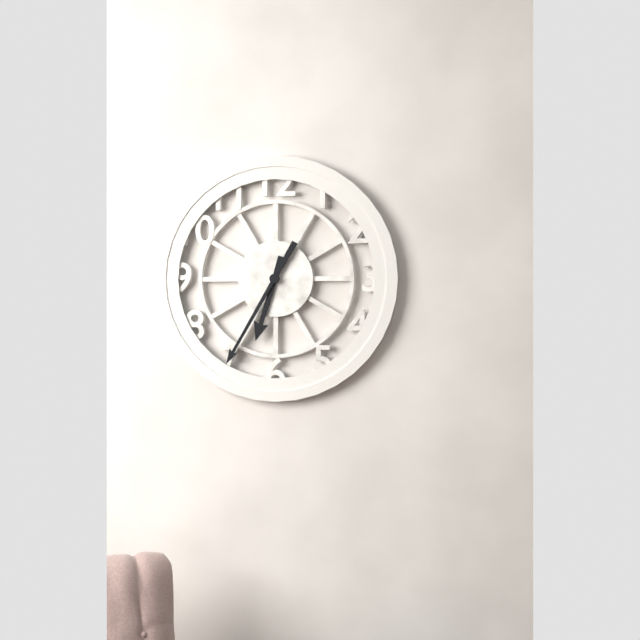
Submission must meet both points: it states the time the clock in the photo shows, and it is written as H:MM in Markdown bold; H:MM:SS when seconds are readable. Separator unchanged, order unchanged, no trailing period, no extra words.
**6:35**
